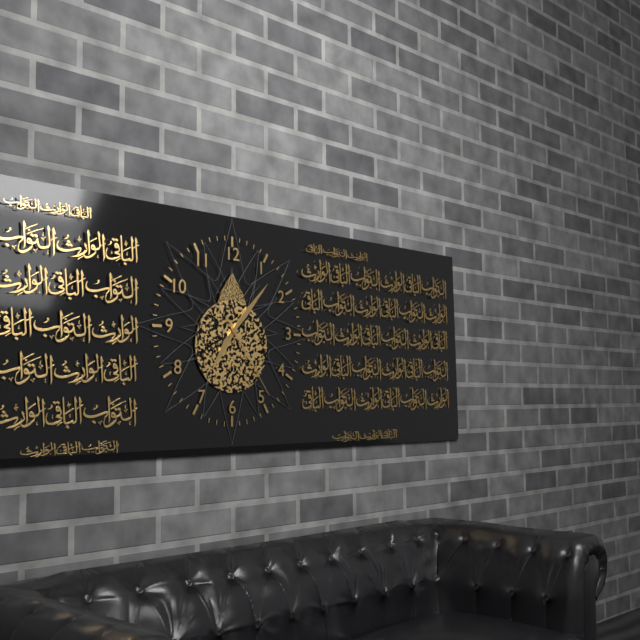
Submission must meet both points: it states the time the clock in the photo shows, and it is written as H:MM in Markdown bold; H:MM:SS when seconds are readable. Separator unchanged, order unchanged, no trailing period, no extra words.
**7:07:24**
